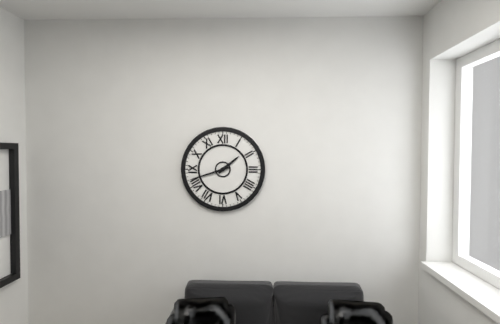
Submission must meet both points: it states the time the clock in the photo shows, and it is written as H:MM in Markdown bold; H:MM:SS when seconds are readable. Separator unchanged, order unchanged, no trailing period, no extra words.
**1:42**
